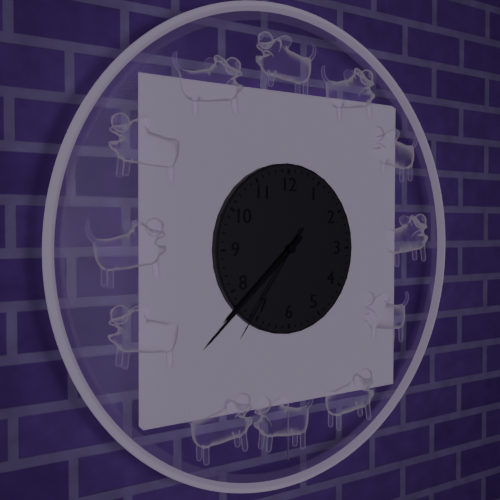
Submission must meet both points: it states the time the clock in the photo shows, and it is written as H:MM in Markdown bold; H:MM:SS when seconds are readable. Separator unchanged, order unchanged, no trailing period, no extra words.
**7:38:36**
